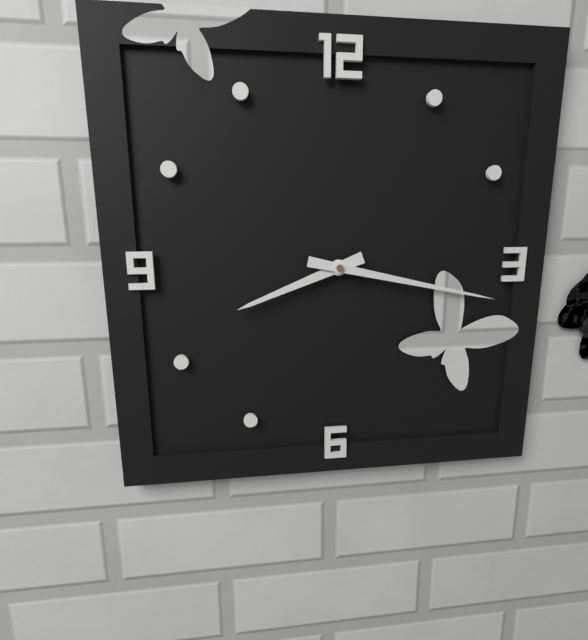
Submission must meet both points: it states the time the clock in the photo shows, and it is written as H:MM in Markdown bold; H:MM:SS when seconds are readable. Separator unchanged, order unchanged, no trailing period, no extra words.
**8:17**
